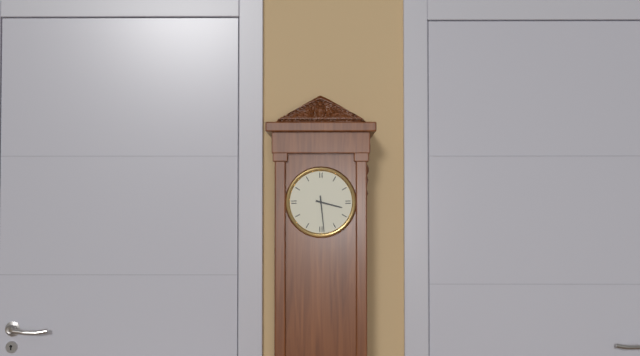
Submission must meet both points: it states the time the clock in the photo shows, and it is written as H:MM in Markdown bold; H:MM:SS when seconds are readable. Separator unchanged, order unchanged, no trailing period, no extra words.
**3:29**
